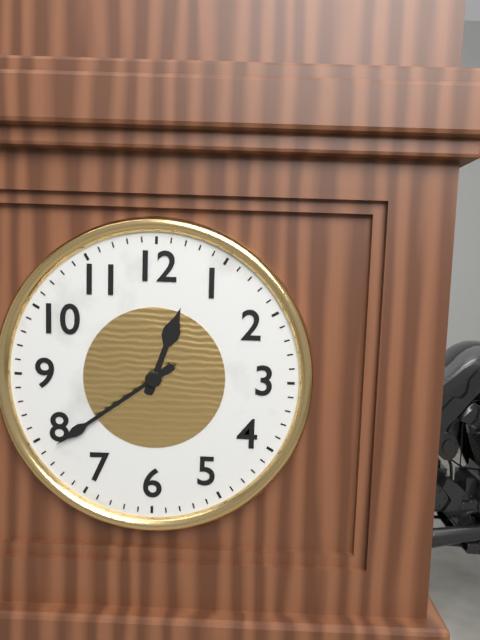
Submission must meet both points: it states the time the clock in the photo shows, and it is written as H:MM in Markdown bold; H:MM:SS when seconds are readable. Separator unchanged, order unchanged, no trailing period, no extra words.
**12:39**
